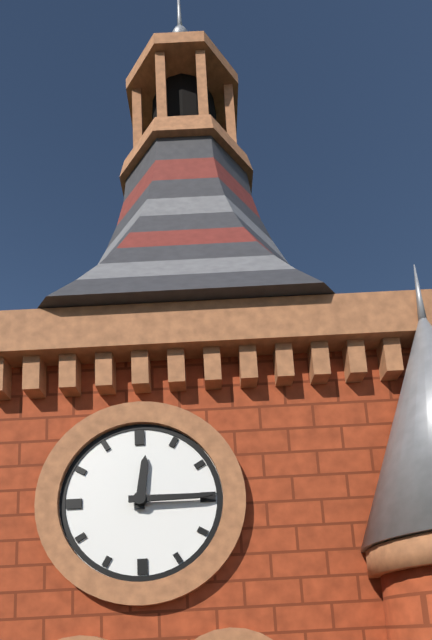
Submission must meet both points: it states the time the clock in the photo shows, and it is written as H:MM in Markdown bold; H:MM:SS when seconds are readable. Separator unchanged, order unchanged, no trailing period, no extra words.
**12:15**
